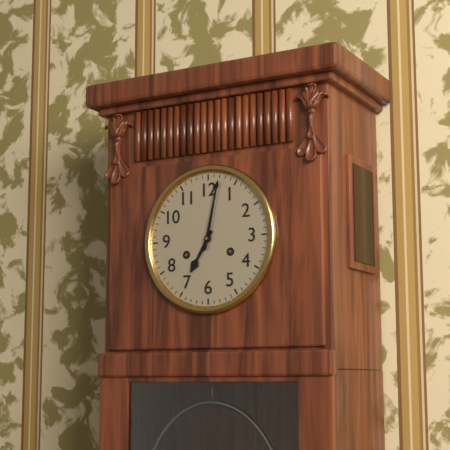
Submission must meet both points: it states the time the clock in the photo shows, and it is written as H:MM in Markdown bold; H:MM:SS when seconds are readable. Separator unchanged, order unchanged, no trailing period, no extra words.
**7:02**
